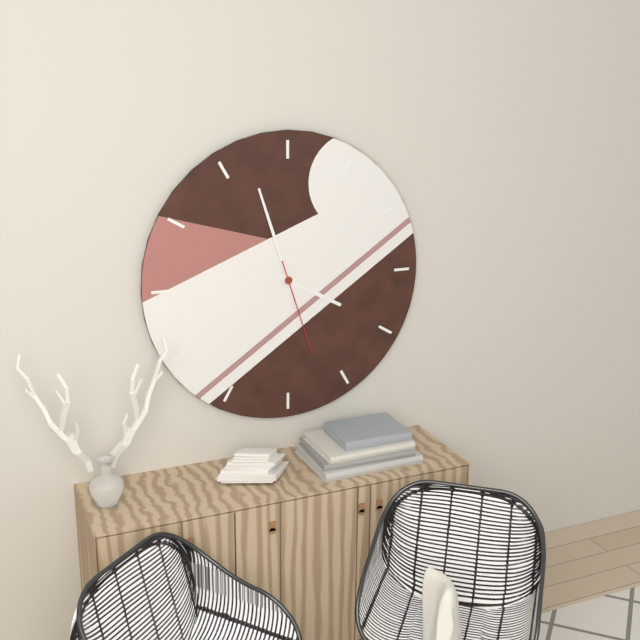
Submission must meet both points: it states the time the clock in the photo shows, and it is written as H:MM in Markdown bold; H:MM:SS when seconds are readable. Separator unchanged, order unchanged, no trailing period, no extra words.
**3:57:27**
